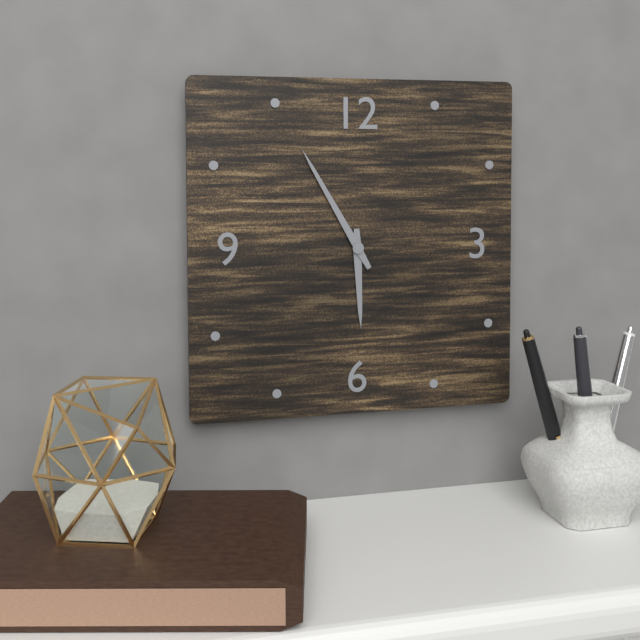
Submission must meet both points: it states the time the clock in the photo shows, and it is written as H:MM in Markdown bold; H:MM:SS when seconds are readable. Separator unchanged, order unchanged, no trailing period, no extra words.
**5:55**
